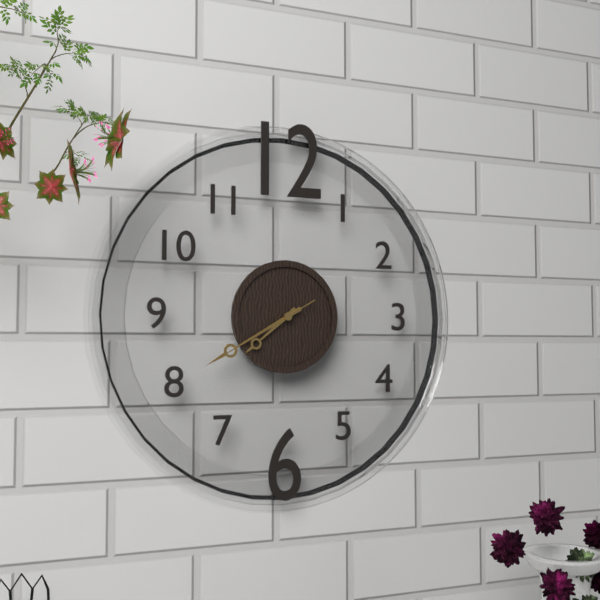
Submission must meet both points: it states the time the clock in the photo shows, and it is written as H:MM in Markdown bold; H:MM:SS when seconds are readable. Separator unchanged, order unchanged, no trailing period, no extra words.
**7:40:40**
